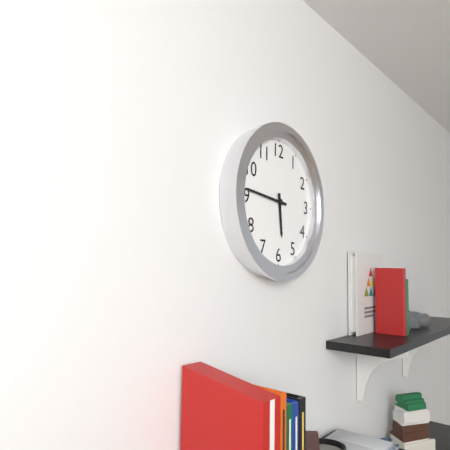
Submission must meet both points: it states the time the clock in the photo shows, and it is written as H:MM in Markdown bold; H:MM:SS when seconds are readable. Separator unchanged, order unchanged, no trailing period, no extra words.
**5:46**
